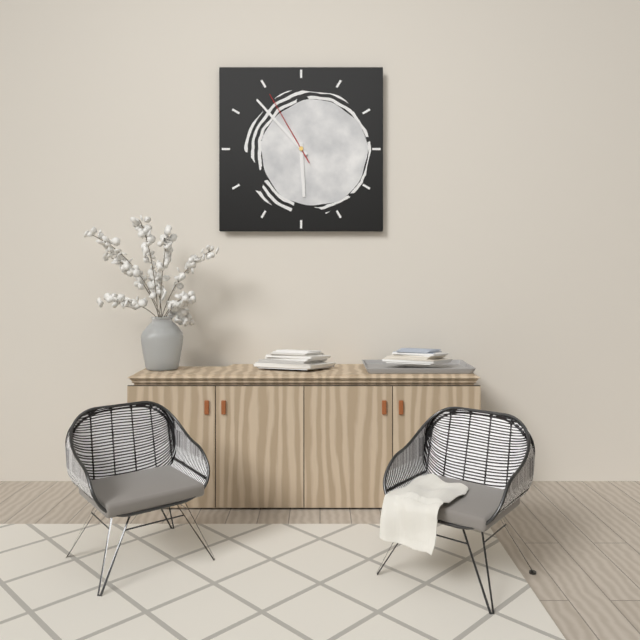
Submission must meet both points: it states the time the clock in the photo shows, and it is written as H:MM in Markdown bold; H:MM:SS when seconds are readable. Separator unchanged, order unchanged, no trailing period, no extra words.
**5:53:55**
